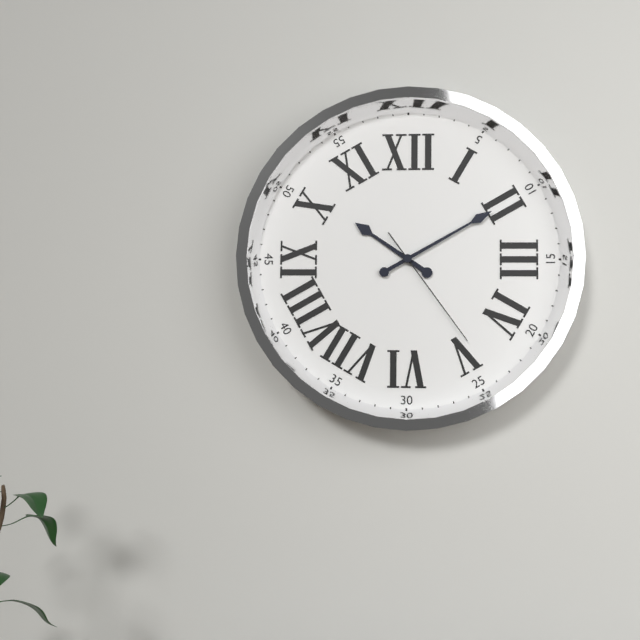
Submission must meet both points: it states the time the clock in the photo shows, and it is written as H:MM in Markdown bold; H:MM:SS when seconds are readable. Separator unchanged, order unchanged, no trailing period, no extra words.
**10:10:24**
